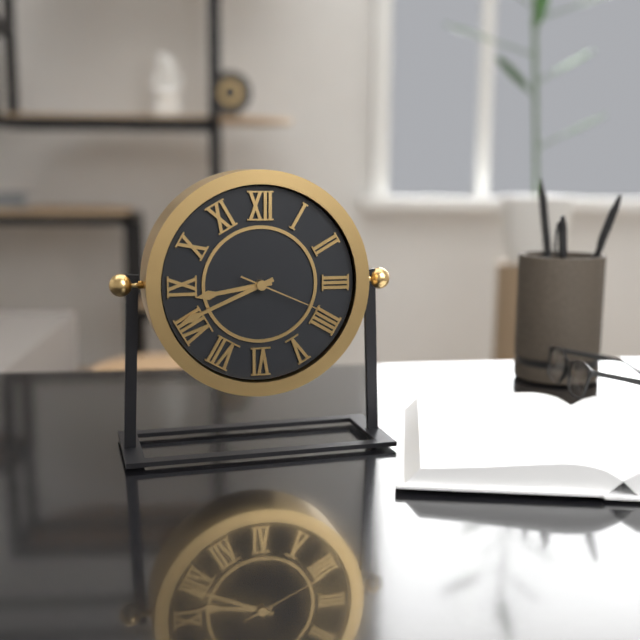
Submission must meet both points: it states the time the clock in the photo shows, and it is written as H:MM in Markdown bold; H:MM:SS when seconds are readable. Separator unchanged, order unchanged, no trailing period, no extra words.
**8:41:19**
